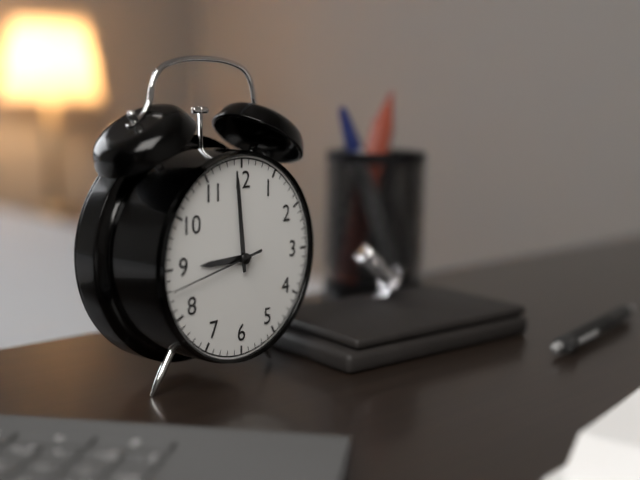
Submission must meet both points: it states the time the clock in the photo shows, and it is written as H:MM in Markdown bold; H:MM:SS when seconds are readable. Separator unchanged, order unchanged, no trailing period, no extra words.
**8:59:43**
